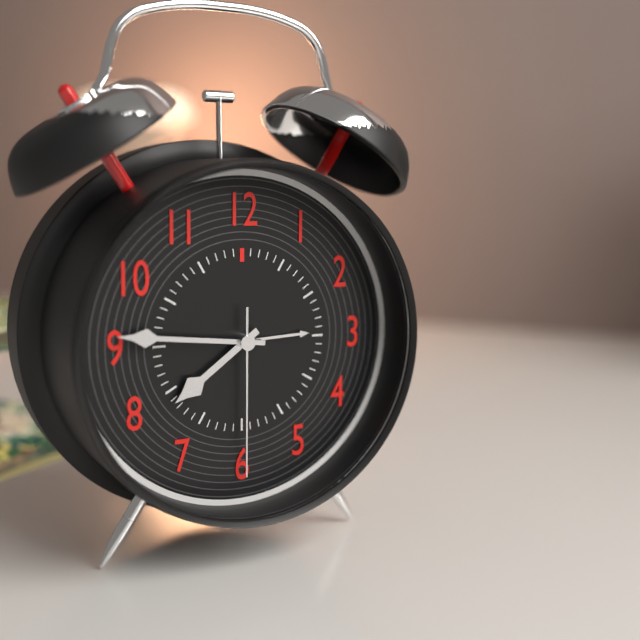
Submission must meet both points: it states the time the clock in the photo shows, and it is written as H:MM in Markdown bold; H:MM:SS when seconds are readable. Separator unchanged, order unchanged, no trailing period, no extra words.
**7:46:30**
